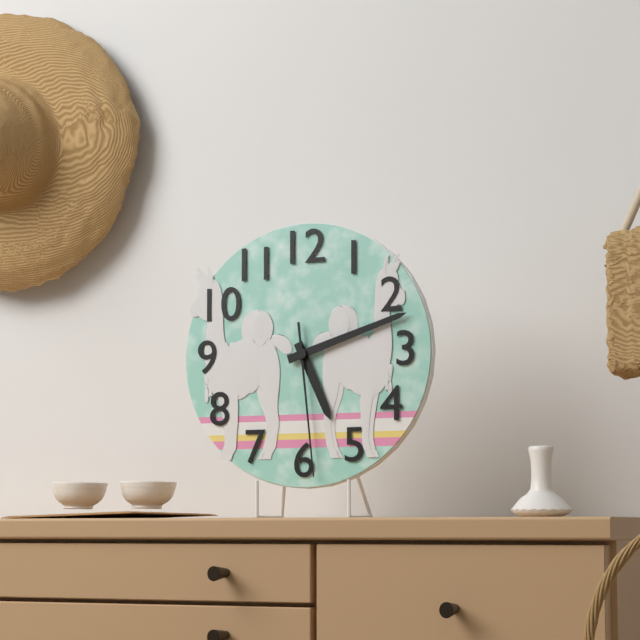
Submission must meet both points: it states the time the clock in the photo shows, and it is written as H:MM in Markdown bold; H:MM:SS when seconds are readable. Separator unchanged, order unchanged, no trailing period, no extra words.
**5:12:29**
